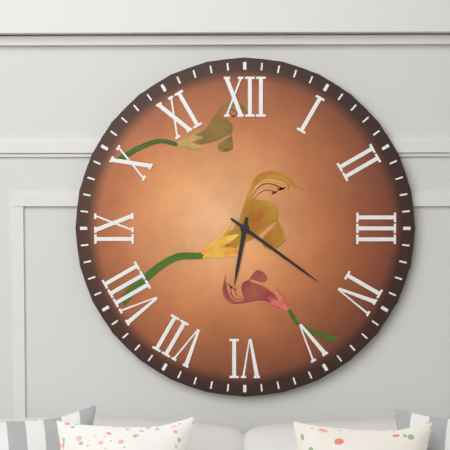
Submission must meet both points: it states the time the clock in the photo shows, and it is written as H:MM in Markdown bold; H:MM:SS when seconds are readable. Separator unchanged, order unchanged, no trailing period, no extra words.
**6:21**
